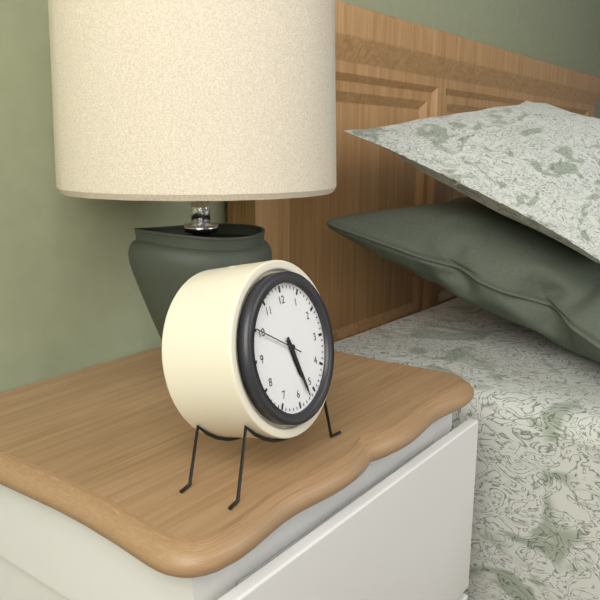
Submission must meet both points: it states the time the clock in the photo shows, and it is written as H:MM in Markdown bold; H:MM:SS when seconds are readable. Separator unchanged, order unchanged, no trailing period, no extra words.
**5:27:50**
